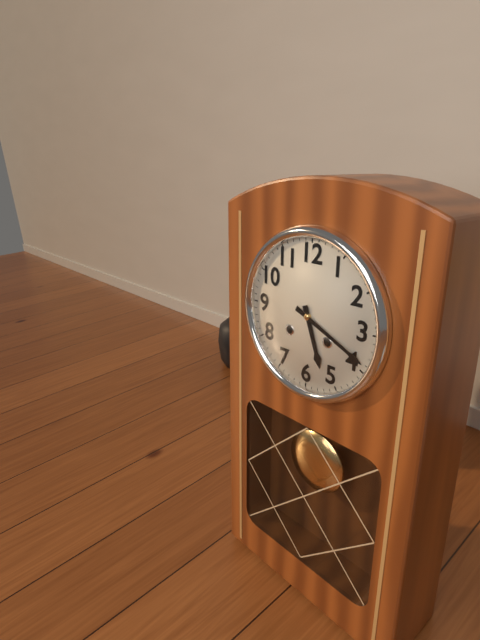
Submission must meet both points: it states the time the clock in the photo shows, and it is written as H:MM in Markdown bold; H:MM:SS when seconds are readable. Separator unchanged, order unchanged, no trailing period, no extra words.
**5:19**
